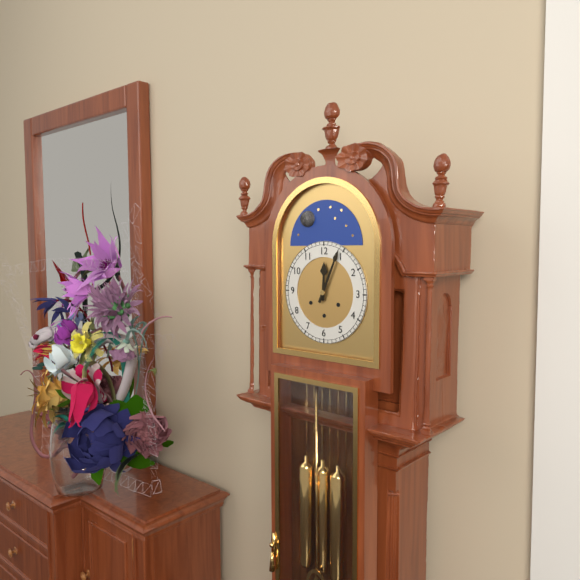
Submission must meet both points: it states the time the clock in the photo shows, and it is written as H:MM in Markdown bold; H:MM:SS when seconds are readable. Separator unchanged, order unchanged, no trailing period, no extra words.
**12:04**
